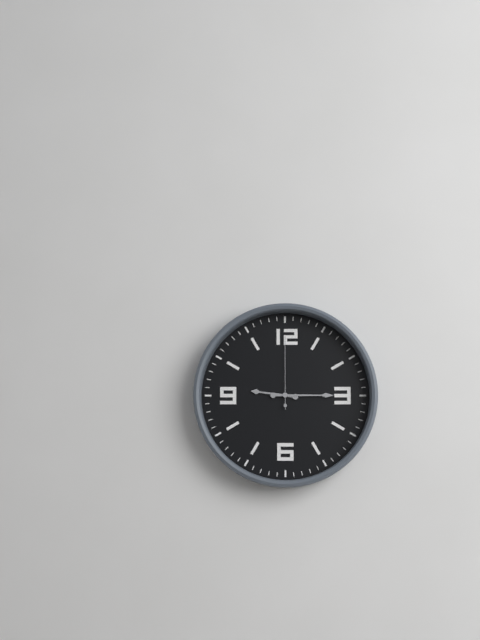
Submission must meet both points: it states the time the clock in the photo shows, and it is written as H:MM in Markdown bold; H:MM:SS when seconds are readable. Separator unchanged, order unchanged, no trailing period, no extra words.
**9:15:00**
